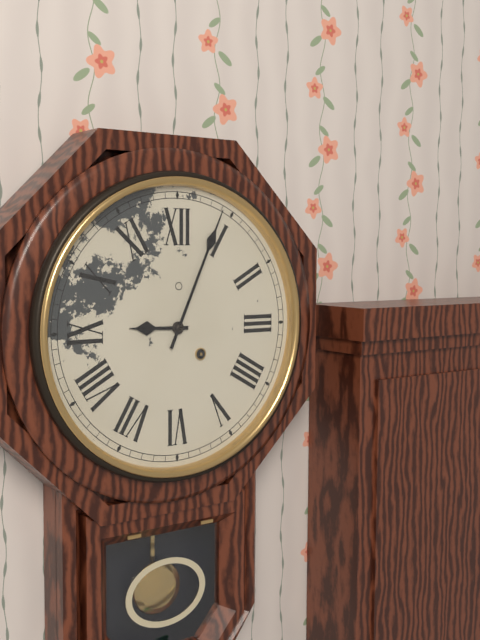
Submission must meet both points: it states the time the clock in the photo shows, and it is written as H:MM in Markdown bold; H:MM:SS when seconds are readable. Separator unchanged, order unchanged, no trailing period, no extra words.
**9:04**
